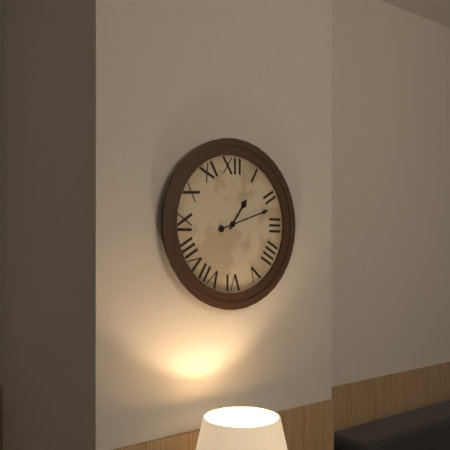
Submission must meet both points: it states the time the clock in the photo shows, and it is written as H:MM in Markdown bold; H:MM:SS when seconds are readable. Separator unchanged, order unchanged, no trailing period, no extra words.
**1:12**
